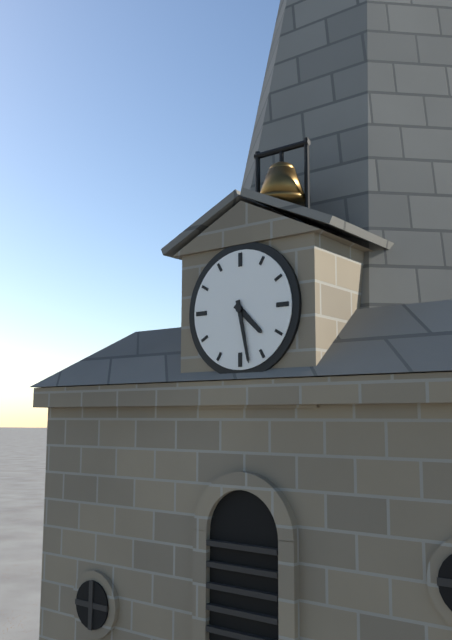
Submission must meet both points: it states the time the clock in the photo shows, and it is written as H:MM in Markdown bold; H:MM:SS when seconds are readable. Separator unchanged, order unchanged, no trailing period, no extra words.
**4:28**
